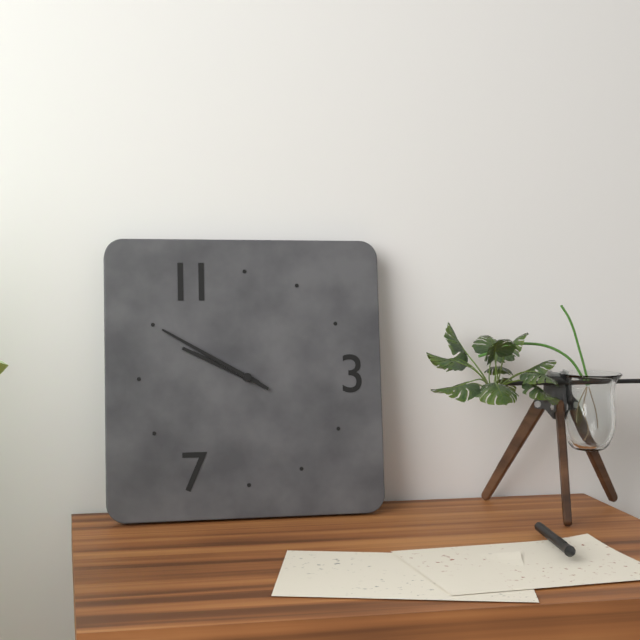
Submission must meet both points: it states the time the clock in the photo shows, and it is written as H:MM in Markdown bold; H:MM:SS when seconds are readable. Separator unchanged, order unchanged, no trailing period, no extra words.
**9:50**
